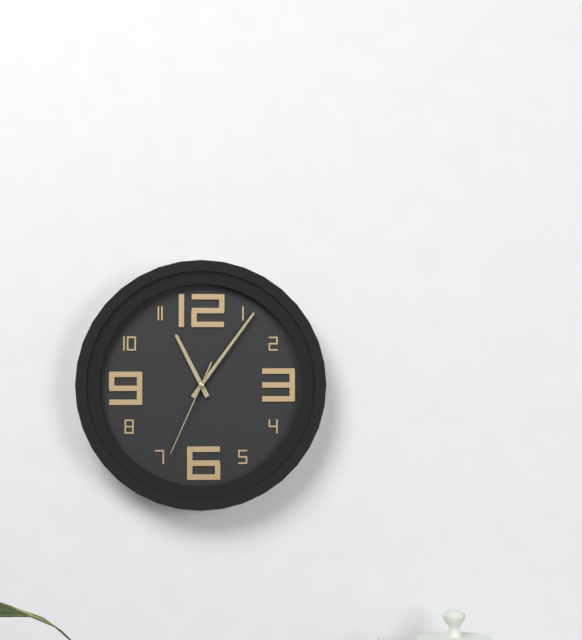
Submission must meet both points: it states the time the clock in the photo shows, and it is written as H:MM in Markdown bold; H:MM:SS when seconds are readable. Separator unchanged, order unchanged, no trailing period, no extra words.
**11:06:34**
